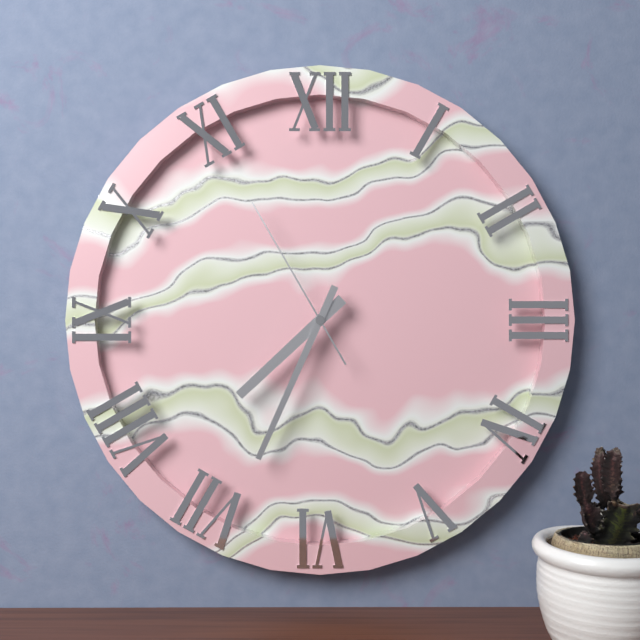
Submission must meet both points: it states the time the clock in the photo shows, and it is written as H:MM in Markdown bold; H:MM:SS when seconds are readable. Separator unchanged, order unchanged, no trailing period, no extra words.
**7:34:55**
